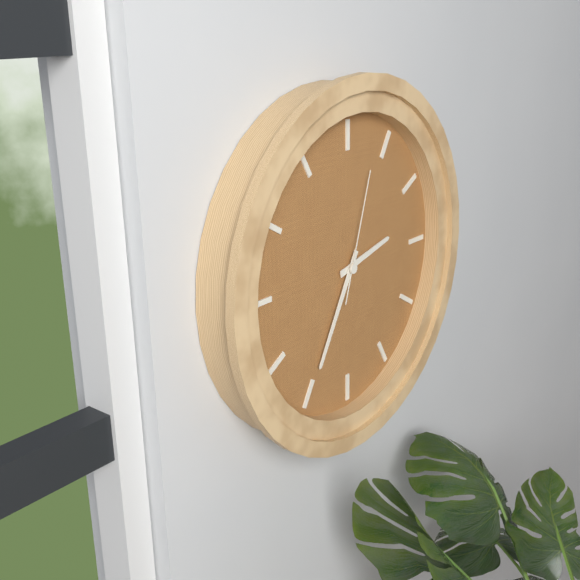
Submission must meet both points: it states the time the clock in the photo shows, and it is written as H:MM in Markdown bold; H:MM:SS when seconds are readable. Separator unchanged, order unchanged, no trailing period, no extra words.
**2:35:03**
